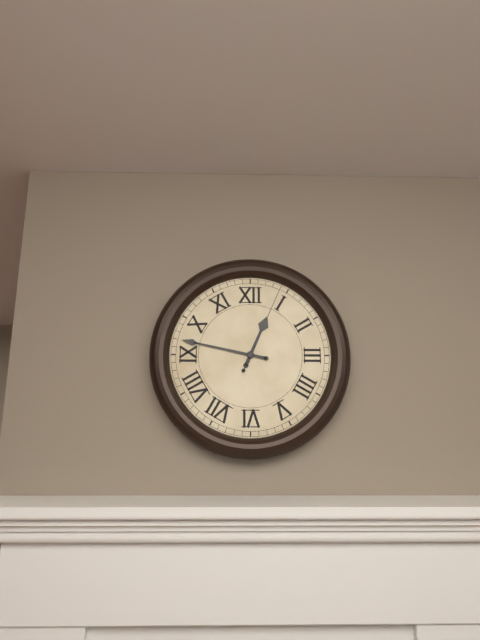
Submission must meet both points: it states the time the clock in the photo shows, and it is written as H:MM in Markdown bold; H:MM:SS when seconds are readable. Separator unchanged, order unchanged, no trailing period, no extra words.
**12:47:04**
